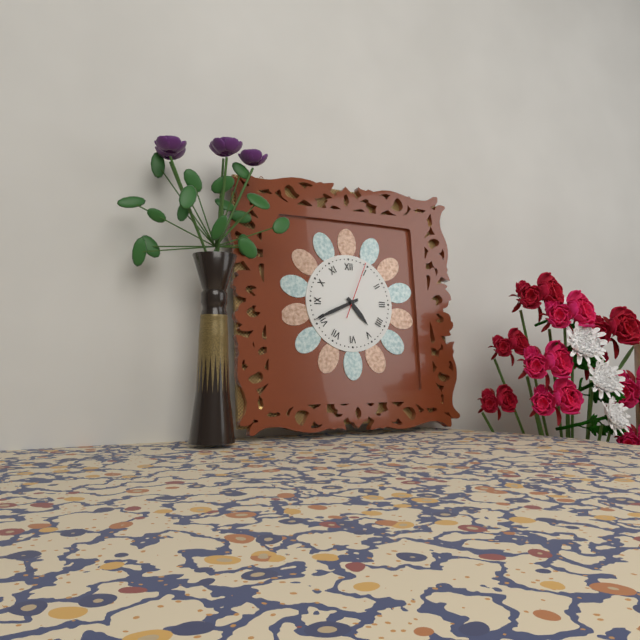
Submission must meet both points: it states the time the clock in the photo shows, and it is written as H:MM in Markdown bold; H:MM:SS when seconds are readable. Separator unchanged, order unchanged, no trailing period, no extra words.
**4:41:04**
